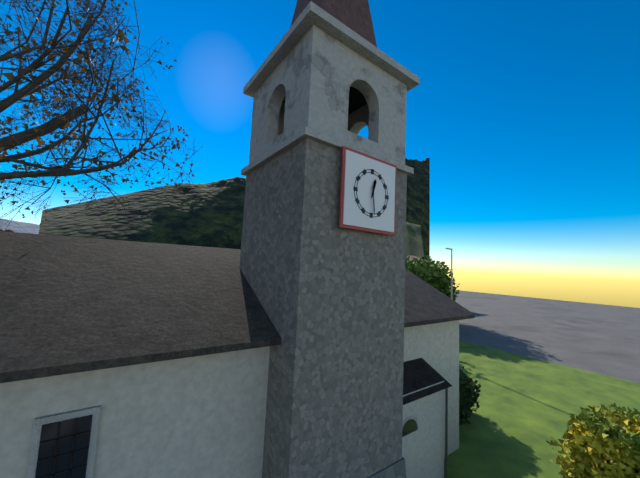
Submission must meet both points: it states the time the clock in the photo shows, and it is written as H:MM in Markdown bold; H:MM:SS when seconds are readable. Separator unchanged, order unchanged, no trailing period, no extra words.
**12:29**
